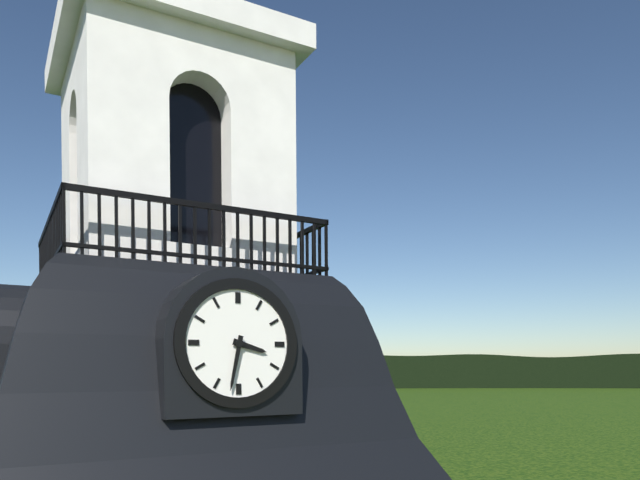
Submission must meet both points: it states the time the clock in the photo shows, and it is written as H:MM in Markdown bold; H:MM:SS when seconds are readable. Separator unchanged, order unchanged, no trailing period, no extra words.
**3:32**
